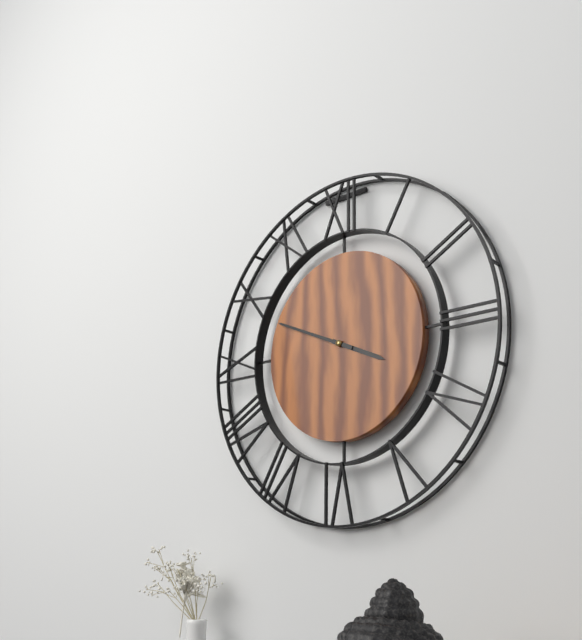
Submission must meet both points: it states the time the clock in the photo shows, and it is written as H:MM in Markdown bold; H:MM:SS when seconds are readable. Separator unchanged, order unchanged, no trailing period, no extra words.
**3:49**
